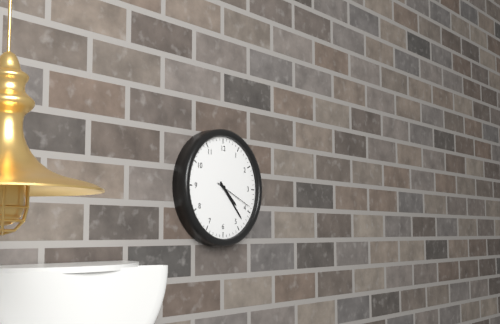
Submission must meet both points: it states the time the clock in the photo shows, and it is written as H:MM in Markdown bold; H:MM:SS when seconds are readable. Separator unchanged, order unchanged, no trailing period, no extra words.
**4:23:19**
